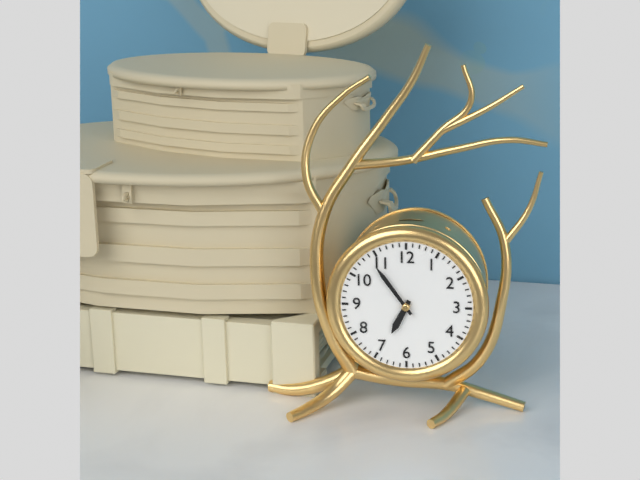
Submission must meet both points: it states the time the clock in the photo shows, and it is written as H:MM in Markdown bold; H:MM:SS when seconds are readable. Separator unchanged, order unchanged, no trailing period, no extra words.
**6:54**
